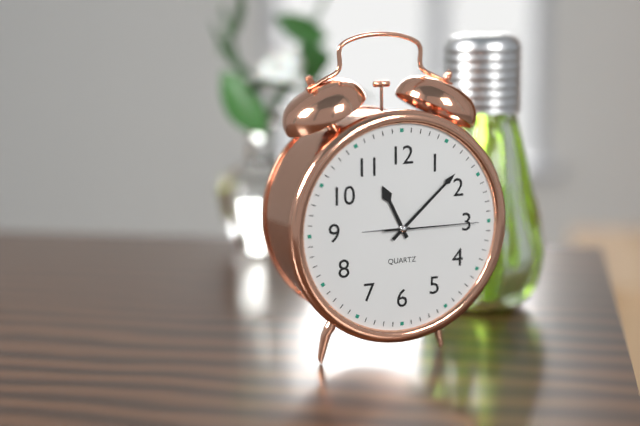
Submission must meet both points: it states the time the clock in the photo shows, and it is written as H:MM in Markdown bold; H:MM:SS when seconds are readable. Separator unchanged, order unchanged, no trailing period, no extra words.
**11:08:15**
